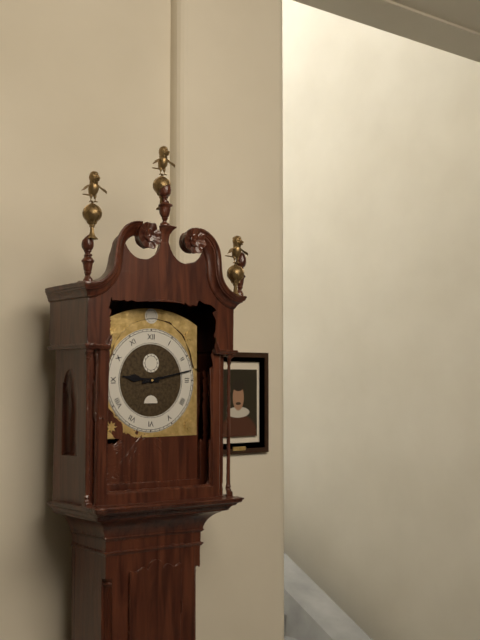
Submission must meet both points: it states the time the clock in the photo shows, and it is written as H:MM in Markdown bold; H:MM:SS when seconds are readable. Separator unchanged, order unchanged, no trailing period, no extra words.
**9:13**
